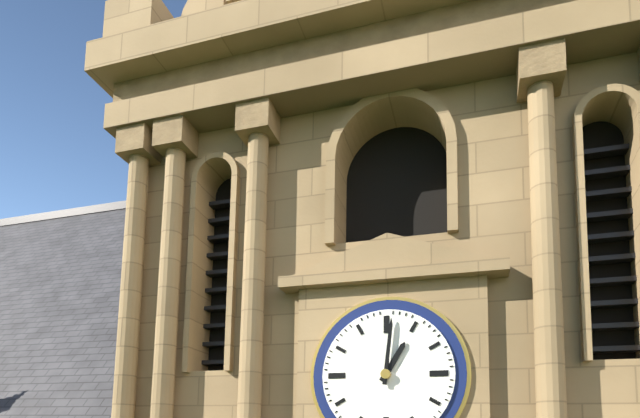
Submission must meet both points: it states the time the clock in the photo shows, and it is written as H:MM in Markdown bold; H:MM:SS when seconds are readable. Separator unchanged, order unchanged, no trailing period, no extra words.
**1:01**
